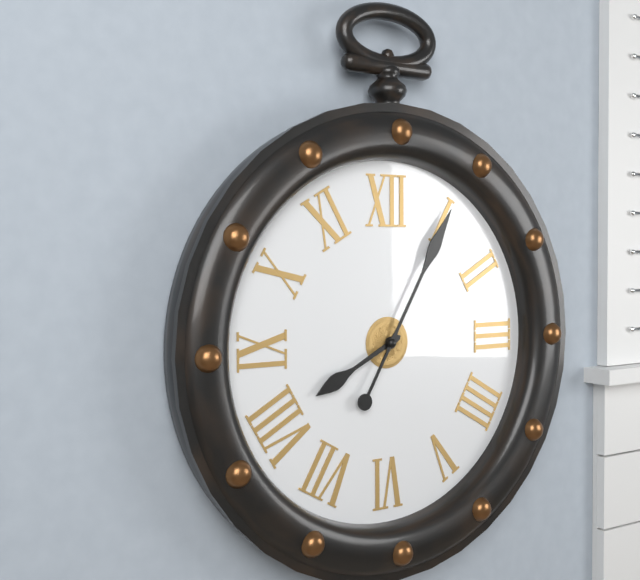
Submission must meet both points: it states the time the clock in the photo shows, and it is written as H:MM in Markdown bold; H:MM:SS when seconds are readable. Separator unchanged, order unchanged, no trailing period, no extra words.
**8:05**
